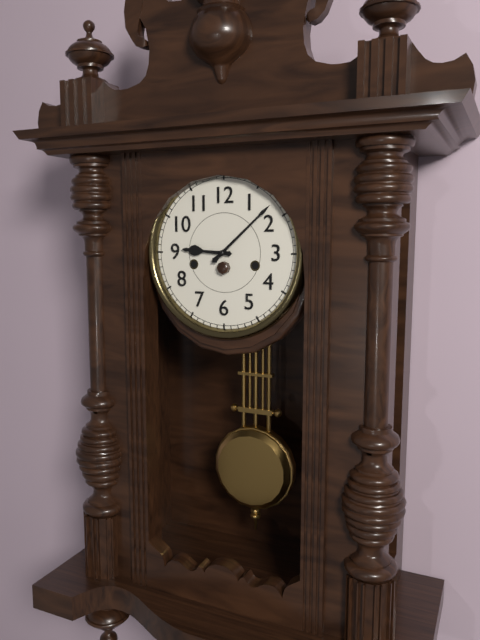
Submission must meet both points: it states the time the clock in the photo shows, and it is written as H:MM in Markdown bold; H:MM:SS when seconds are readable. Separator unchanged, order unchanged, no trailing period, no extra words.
**9:08**
